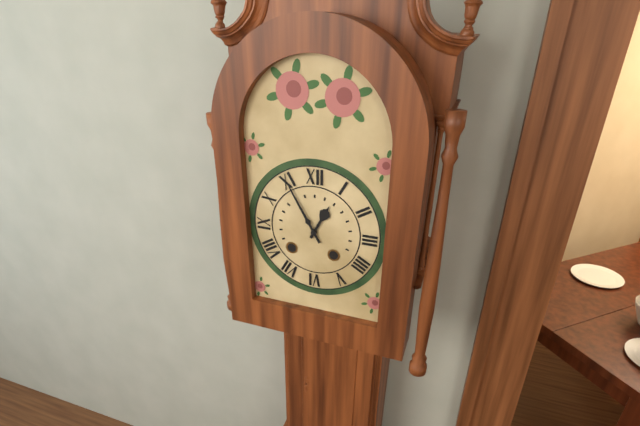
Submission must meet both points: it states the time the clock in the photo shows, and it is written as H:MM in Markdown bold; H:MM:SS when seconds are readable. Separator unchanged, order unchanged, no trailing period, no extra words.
**12:55**
